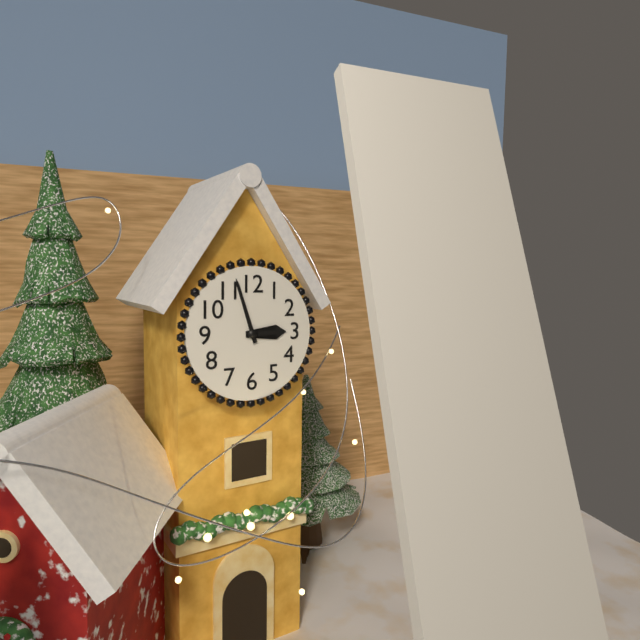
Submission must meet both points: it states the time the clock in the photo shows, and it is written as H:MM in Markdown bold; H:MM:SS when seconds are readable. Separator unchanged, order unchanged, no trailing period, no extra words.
**2:57**
